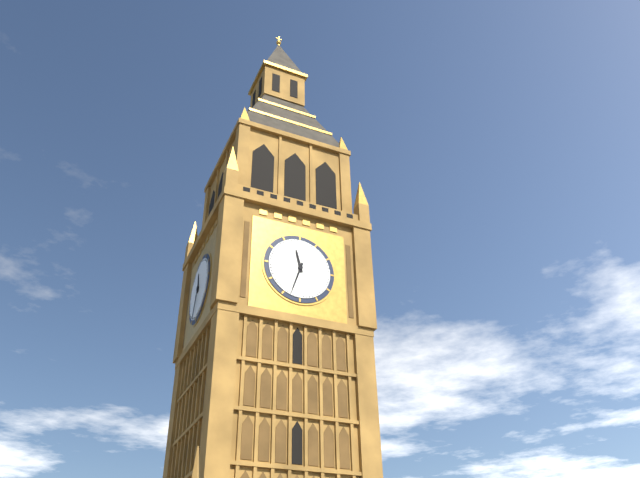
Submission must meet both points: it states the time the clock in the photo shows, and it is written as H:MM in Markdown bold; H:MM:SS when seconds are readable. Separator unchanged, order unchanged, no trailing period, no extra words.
**11:33**
